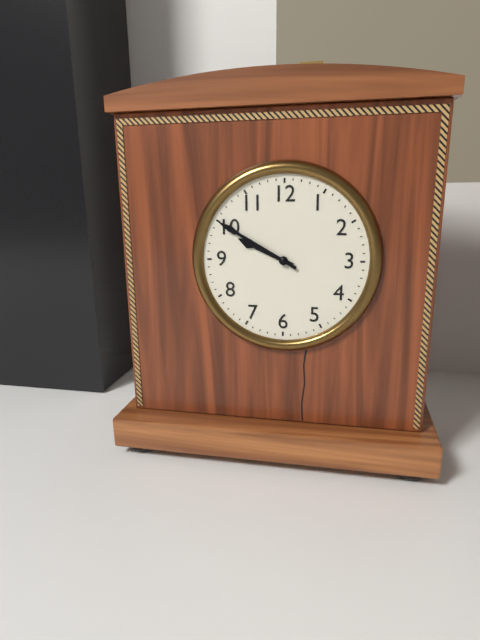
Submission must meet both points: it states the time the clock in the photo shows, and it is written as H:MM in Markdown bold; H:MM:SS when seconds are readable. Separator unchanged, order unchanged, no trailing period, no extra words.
**9:50**
